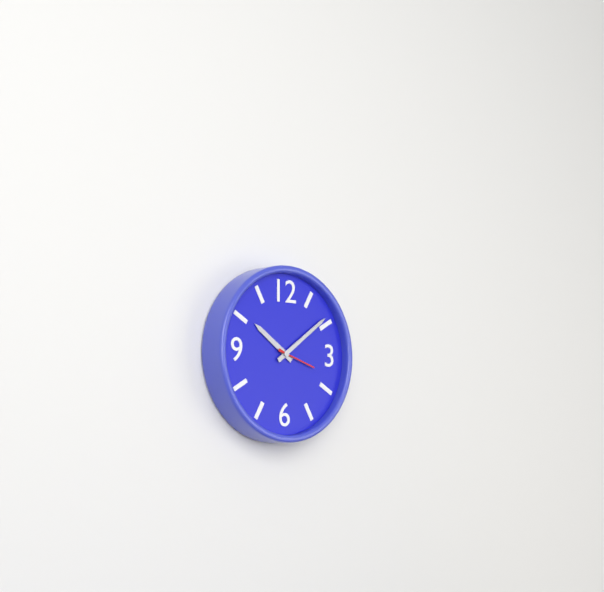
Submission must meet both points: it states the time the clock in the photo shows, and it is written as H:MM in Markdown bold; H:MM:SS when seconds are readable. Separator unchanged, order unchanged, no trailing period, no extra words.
**10:09**
